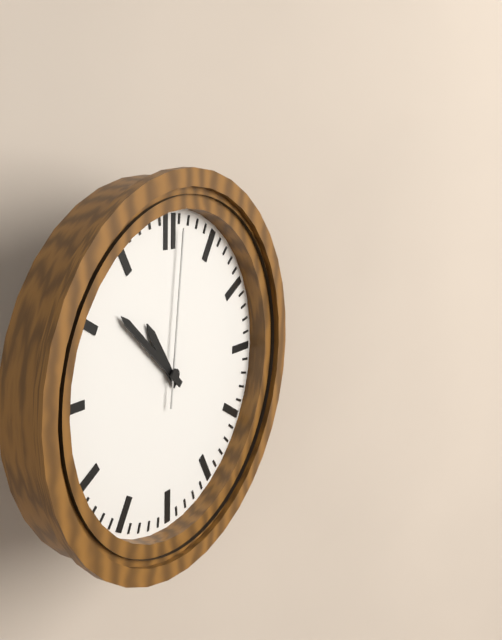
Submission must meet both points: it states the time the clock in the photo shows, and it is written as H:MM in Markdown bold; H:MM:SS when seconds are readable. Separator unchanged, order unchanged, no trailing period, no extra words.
**10:52:01**
